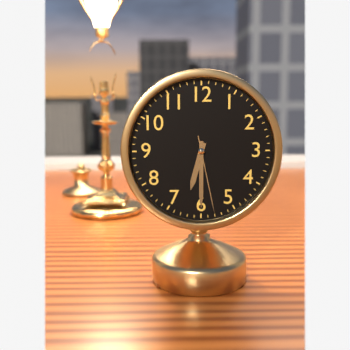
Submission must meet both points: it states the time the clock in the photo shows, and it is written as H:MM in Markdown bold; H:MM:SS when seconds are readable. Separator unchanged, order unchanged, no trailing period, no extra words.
**6:30:28**
